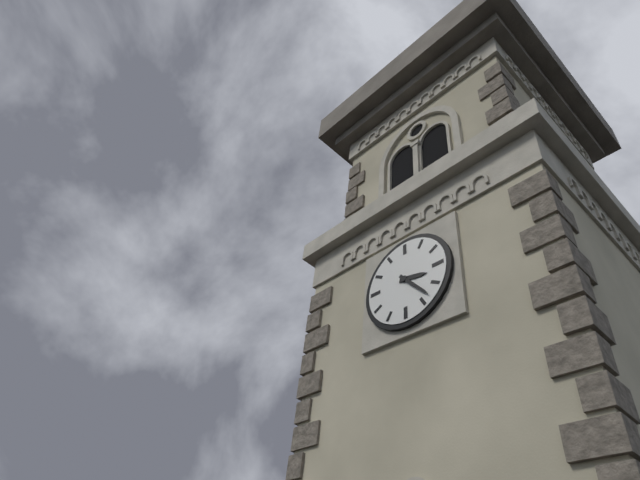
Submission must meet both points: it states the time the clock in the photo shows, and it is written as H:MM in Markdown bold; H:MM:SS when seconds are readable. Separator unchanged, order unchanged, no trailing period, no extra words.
**3:23**
